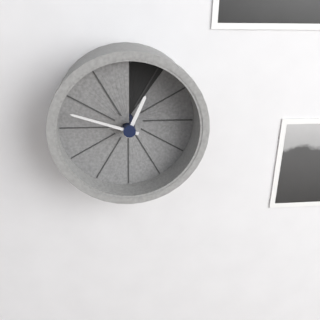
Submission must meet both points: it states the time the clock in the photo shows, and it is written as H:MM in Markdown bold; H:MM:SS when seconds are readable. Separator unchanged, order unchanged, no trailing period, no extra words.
**12:48**
